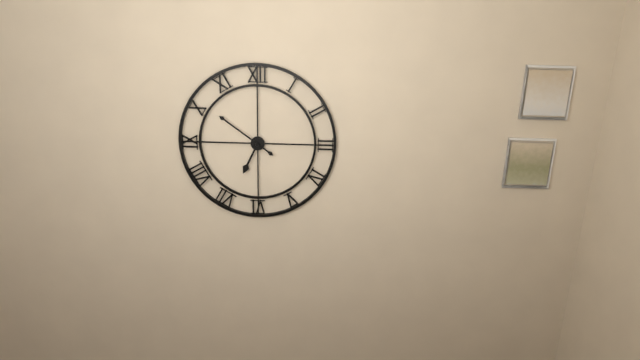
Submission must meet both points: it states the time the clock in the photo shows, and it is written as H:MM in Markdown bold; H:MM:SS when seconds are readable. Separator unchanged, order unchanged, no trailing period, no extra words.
**6:51**
